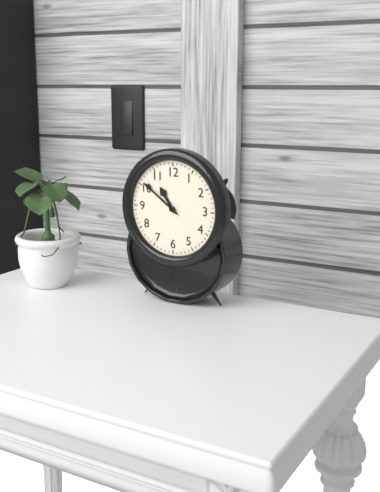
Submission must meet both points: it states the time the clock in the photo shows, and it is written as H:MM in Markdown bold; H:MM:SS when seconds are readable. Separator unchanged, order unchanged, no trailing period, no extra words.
**10:51**
